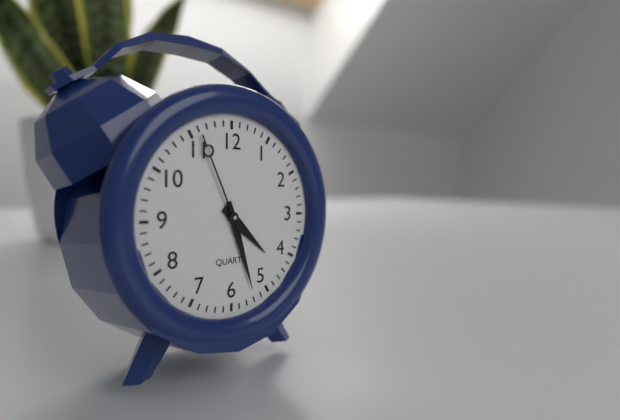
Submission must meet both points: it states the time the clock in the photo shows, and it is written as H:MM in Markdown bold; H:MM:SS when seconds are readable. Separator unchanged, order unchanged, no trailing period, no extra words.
**4:27:56**
